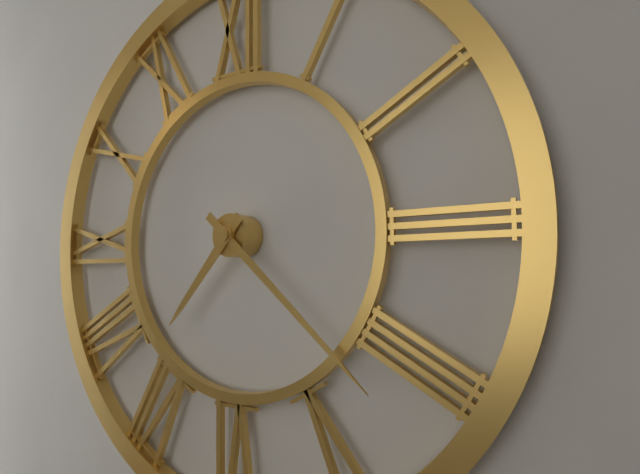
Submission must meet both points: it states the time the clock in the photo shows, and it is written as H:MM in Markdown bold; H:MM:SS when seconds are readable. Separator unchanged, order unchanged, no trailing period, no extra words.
**7:22**
